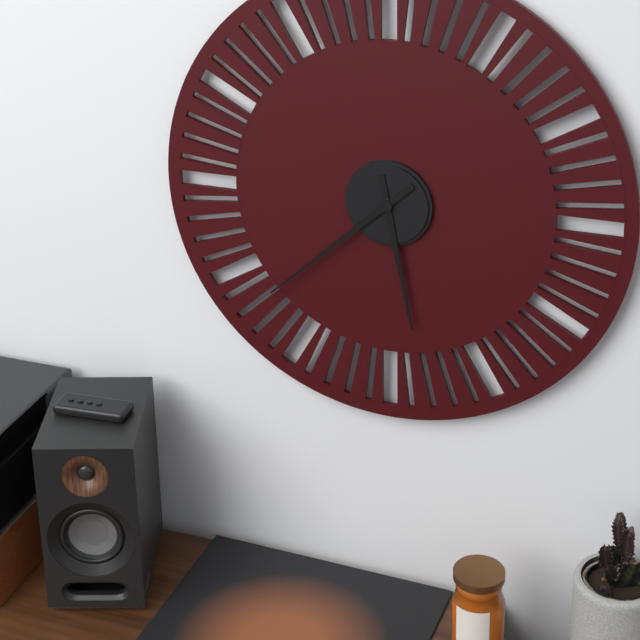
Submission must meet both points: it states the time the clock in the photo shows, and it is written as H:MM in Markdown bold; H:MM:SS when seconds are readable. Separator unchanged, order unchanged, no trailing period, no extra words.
**5:38**
